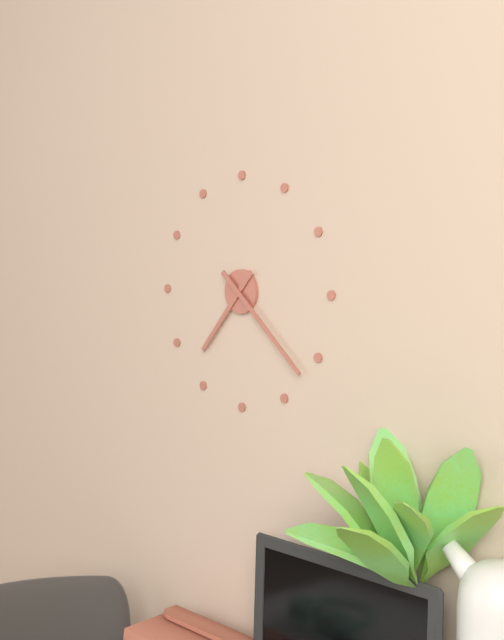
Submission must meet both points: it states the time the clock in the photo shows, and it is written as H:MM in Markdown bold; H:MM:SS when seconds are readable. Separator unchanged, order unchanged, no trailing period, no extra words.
**7:22**
